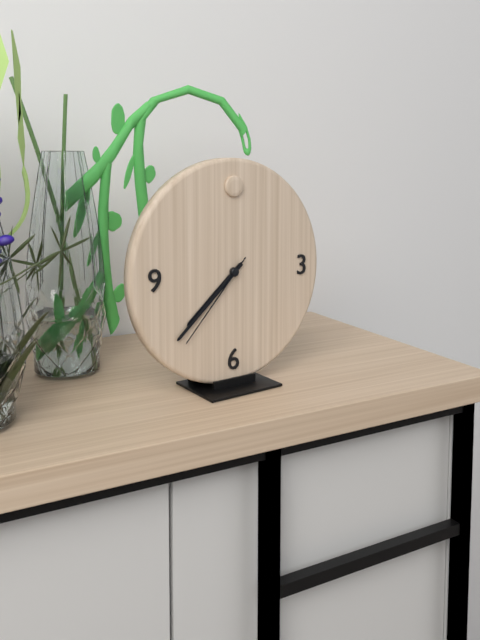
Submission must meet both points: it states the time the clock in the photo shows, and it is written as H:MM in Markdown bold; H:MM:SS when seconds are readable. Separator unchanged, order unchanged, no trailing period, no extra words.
**7:38:37**
